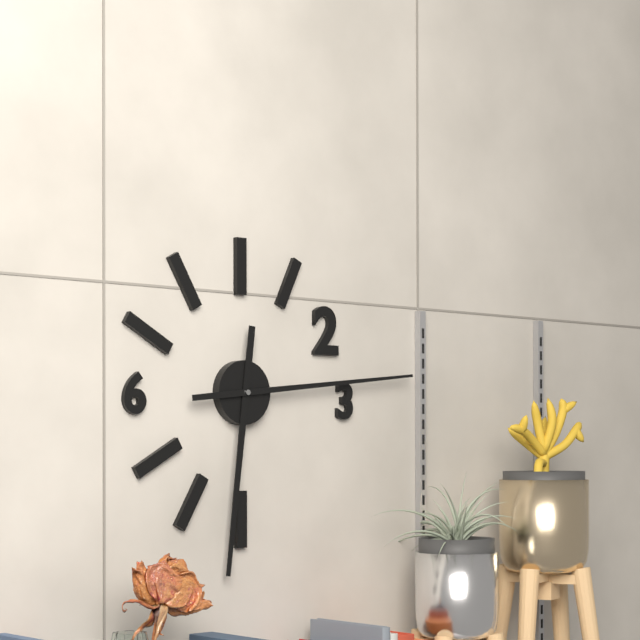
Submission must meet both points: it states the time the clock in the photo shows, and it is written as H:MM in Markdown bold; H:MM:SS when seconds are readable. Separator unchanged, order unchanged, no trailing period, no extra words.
**6:14**
